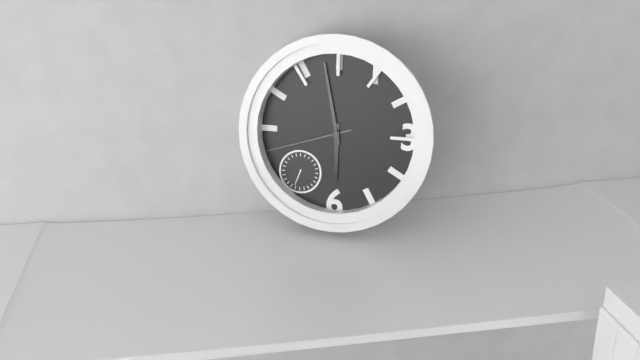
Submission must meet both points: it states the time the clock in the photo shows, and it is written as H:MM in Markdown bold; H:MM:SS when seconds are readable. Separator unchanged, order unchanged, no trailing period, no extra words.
**5:58:42**
